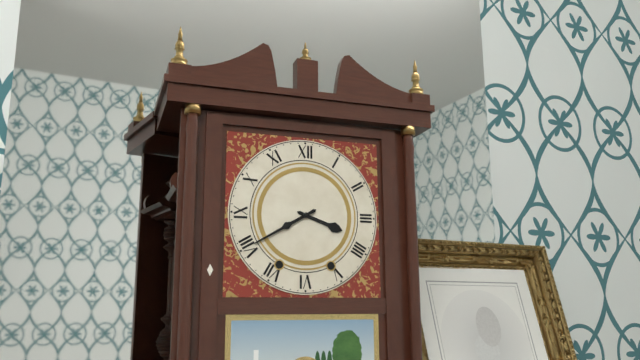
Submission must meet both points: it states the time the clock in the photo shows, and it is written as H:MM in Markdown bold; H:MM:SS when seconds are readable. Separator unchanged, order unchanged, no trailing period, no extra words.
**3:40**
